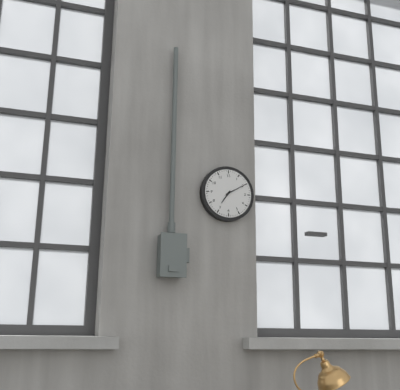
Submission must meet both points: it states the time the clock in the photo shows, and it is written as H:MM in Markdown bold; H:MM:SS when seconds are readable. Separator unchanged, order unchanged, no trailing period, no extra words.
**7:10**
